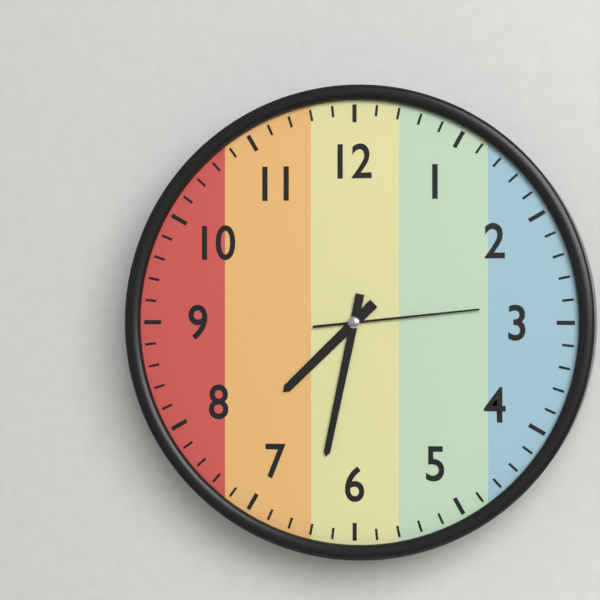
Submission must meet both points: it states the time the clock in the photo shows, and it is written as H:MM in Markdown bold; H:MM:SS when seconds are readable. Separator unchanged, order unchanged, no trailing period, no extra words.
**7:32:14**
